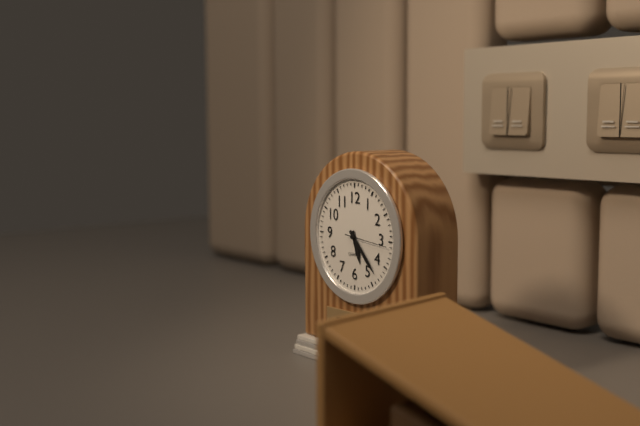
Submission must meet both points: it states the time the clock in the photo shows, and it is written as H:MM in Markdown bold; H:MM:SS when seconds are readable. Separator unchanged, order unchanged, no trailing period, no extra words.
**5:23**
